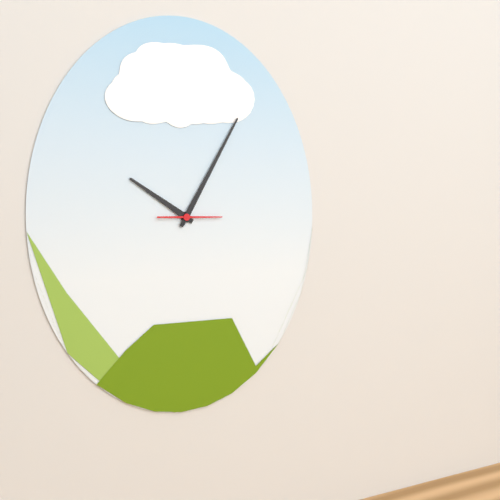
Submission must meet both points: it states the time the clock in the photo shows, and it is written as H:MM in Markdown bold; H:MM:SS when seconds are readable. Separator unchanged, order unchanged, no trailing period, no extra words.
**10:05**
